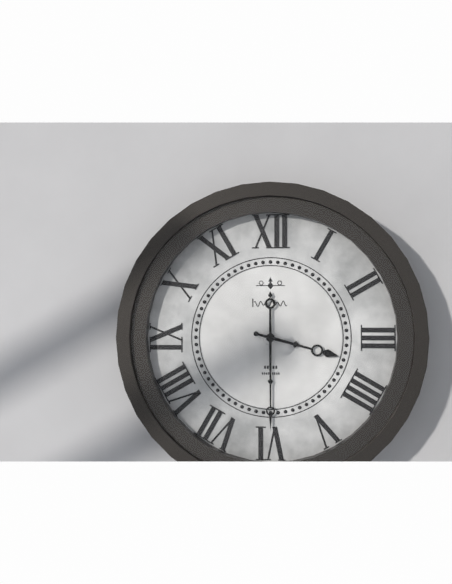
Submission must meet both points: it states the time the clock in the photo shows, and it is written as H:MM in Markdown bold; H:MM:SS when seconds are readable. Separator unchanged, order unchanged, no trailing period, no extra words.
**3:30**
